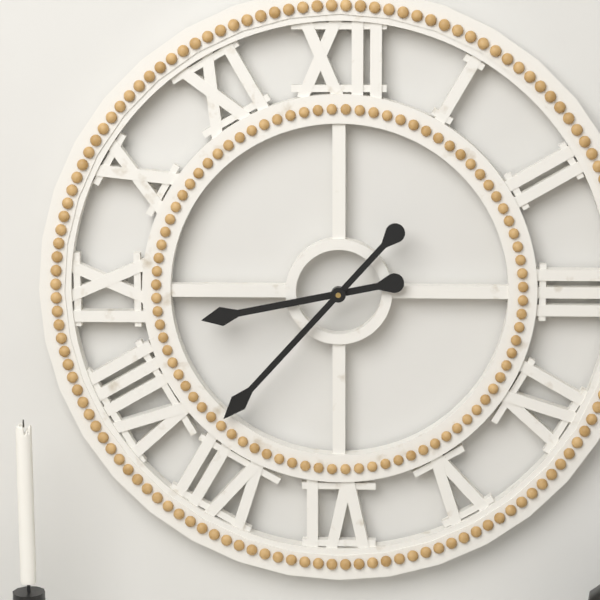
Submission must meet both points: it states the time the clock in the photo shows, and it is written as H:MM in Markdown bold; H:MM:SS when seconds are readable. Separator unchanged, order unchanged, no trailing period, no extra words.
**8:37**
